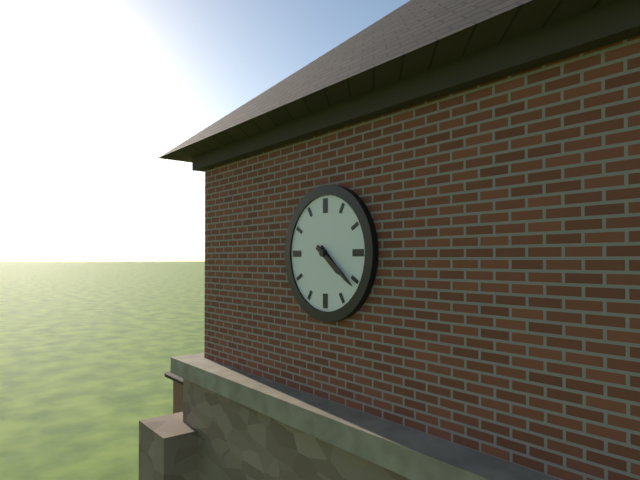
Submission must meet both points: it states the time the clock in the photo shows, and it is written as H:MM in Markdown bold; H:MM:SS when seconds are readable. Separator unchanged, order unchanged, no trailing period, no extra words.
**4:21**
